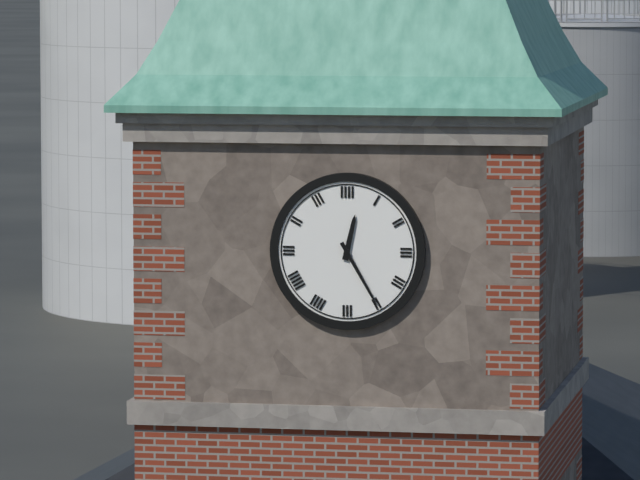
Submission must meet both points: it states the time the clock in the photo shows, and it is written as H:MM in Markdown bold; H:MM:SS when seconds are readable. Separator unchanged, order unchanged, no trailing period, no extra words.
**12:25**
